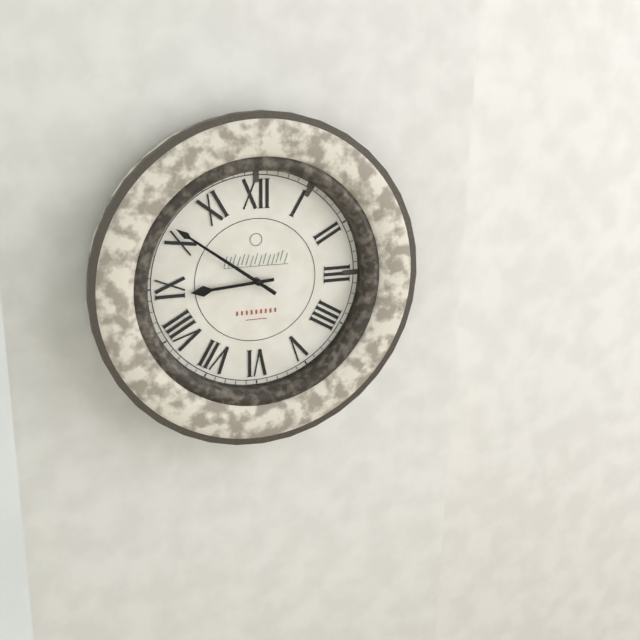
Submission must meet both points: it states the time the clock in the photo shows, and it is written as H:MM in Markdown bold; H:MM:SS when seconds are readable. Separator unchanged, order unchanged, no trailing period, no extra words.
**8:51**
